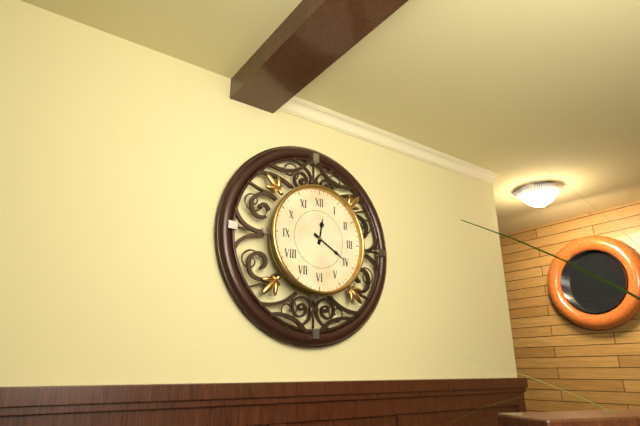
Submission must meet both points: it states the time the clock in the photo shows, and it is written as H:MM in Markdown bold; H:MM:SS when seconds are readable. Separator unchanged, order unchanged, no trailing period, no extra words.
**12:20**
